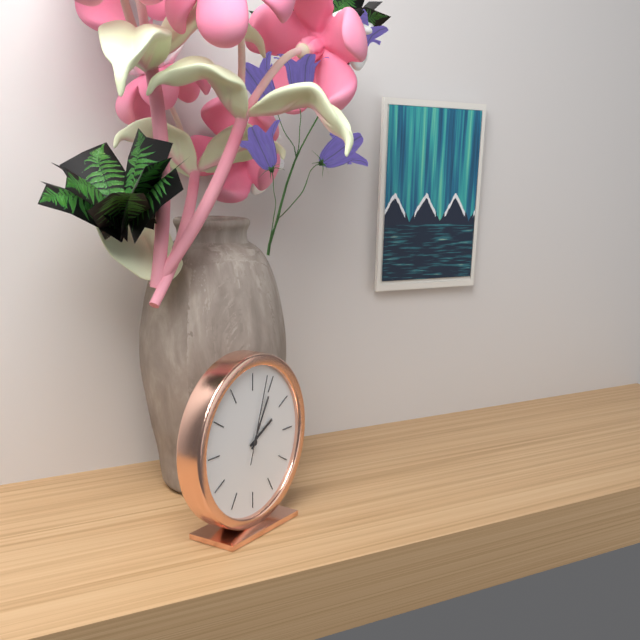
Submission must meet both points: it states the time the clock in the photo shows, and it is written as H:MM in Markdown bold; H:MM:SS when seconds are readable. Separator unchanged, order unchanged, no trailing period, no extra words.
**2:05:03**
